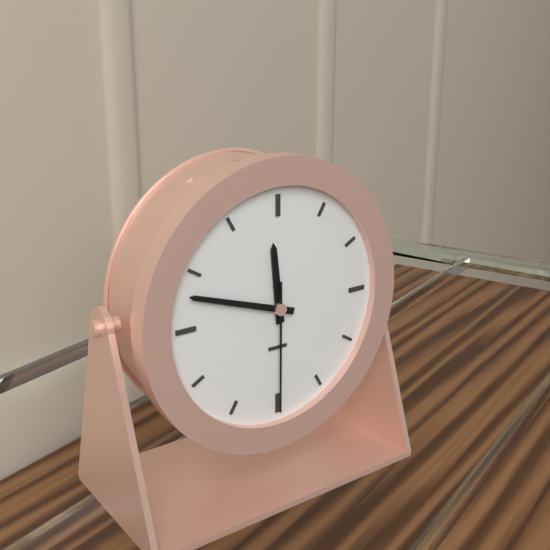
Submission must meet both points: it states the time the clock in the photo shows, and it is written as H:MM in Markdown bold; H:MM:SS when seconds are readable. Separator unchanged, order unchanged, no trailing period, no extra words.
**11:48:30**
